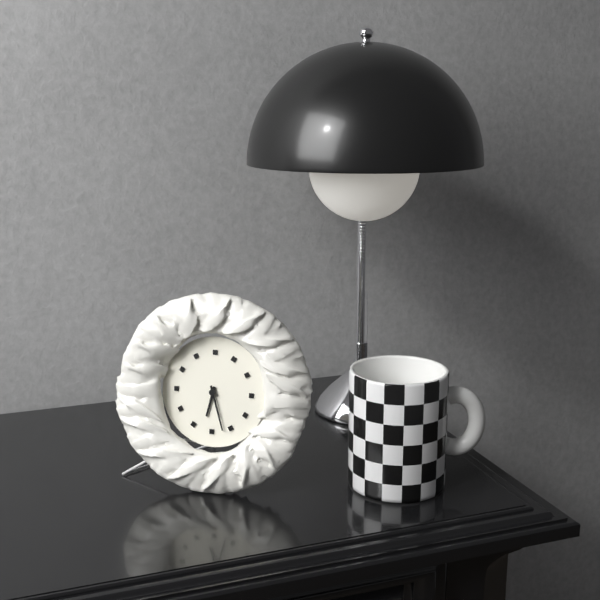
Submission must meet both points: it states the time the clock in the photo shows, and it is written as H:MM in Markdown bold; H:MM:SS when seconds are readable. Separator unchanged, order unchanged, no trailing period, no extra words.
**6:27**
